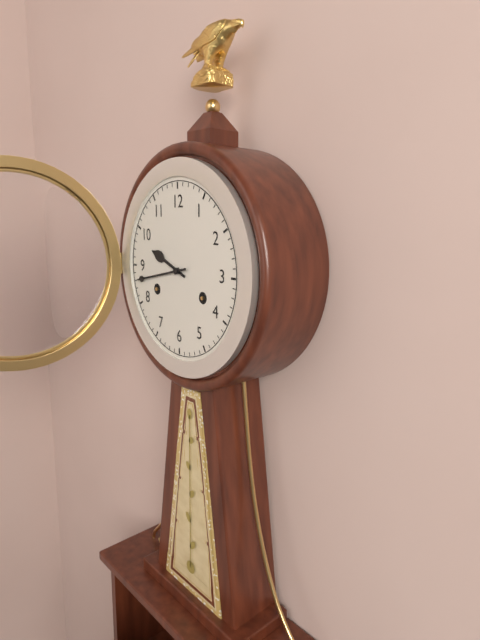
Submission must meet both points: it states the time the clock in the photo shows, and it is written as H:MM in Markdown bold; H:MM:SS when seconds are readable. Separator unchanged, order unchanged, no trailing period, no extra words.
**9:43**
